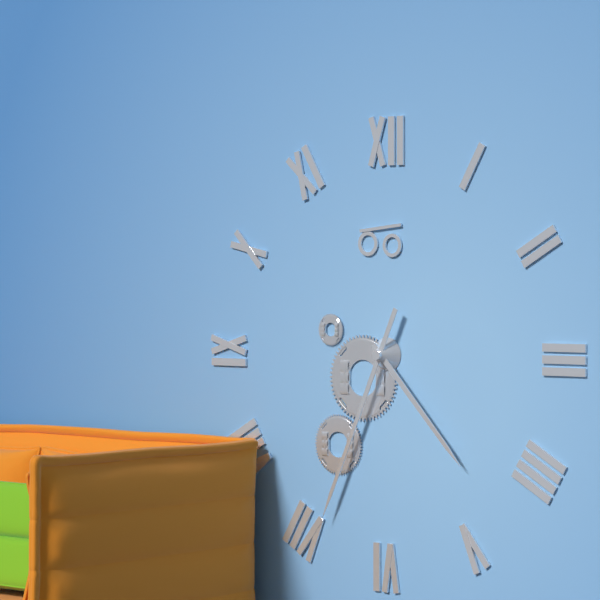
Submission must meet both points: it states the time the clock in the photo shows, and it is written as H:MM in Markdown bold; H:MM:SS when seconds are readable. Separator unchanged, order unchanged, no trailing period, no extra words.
**4:34**
